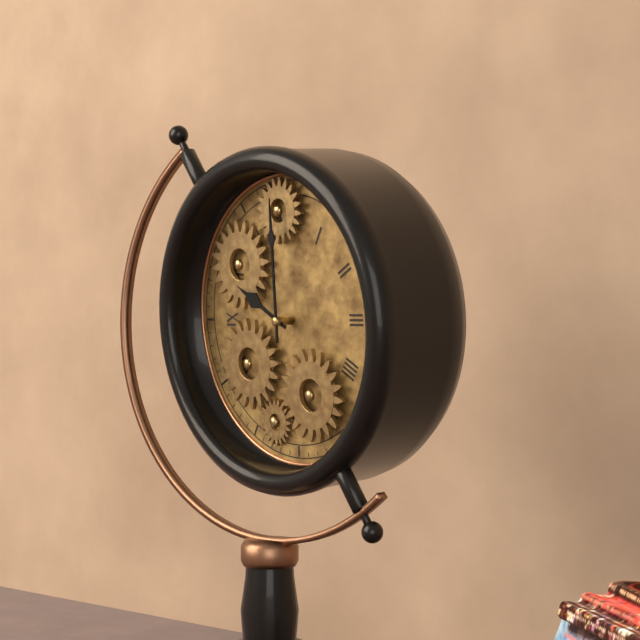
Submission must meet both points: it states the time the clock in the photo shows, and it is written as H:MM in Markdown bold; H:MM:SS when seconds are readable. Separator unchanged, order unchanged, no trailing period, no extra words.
**10:00**
